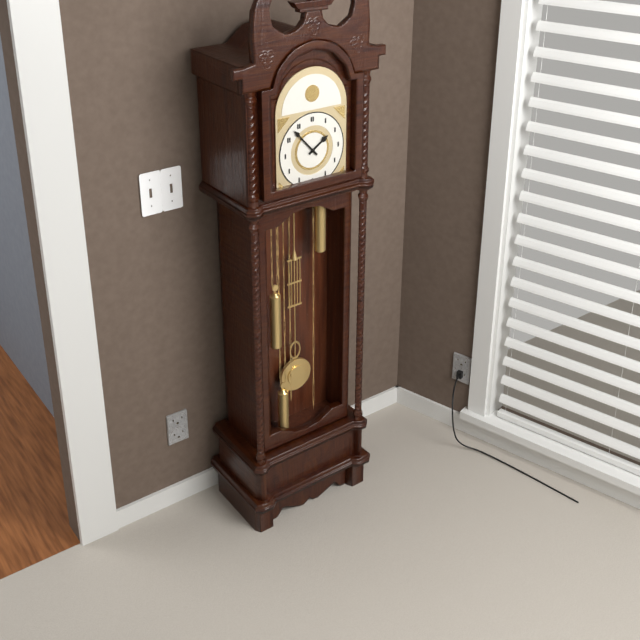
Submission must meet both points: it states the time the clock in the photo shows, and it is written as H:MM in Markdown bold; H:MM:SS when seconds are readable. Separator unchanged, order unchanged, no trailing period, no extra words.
**1:53**
